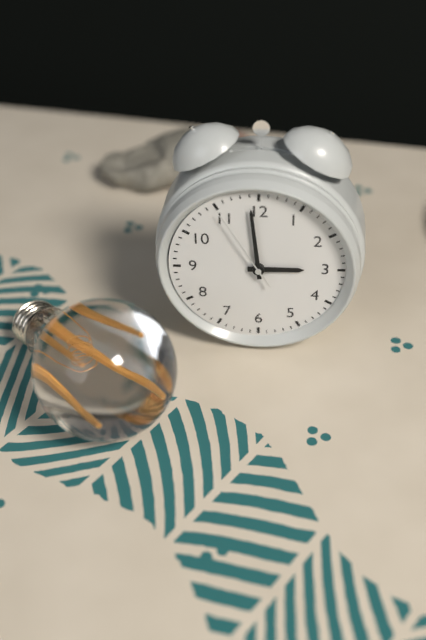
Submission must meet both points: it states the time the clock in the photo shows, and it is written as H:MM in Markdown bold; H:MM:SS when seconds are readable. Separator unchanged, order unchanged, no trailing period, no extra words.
**2:59:55**
